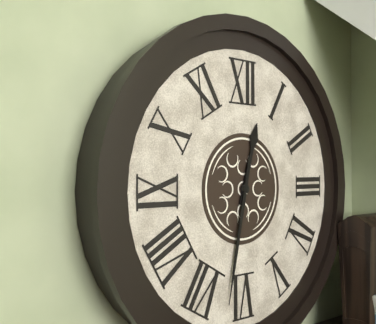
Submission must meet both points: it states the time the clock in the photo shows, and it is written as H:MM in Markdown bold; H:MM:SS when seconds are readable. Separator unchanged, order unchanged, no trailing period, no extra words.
**12:32**
